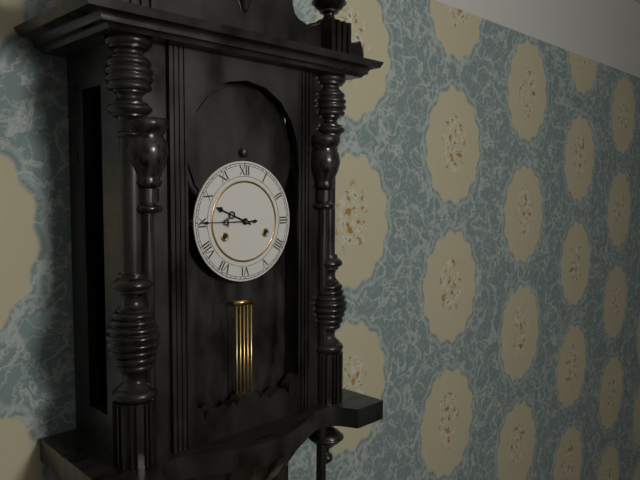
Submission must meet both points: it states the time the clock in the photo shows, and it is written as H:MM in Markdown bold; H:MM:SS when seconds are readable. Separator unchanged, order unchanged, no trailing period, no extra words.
**9:45**
